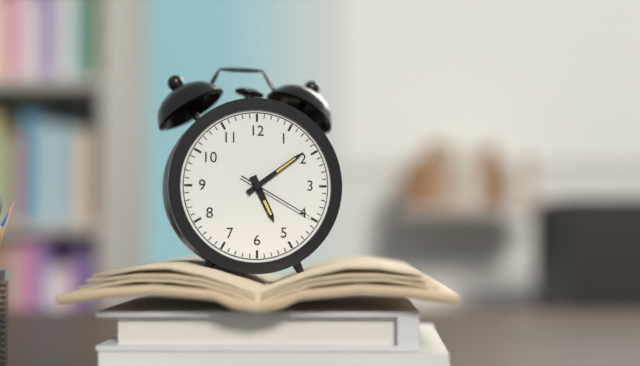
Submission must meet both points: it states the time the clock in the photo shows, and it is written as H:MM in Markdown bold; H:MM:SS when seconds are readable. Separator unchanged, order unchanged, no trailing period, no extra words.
**5:09:20**
